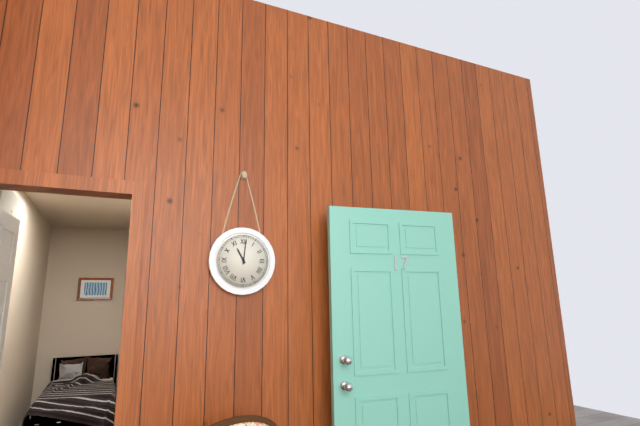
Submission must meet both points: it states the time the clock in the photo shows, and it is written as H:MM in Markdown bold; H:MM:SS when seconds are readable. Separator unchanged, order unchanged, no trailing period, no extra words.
**11:01**
